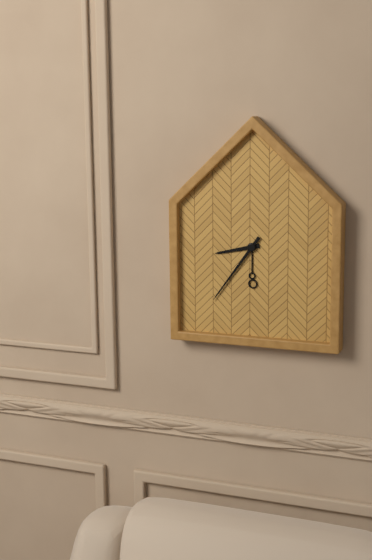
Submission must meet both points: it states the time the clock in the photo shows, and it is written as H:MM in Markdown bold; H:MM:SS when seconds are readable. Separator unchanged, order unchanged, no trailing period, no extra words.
**8:36**
